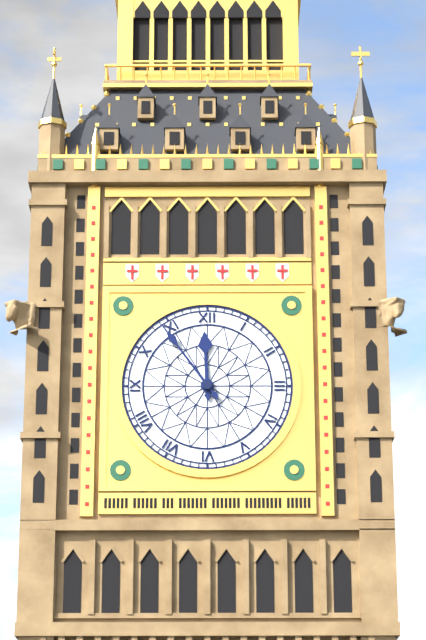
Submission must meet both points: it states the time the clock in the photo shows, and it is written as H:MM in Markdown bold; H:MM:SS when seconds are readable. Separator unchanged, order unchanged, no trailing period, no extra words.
**11:54**
